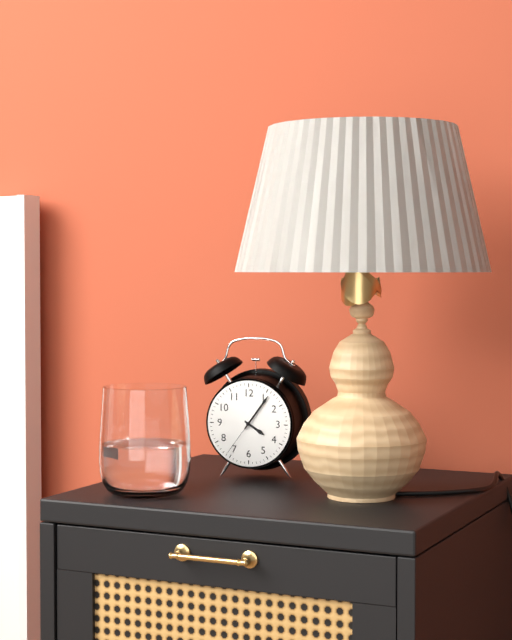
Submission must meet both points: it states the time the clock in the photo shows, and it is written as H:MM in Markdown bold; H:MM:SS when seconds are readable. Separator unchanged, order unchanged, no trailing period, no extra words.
**4:06**
